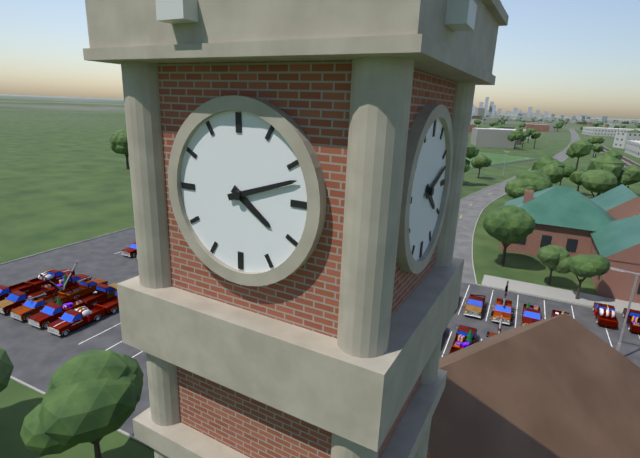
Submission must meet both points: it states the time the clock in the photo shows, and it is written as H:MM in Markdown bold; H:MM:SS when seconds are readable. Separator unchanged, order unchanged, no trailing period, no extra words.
**4:12**
